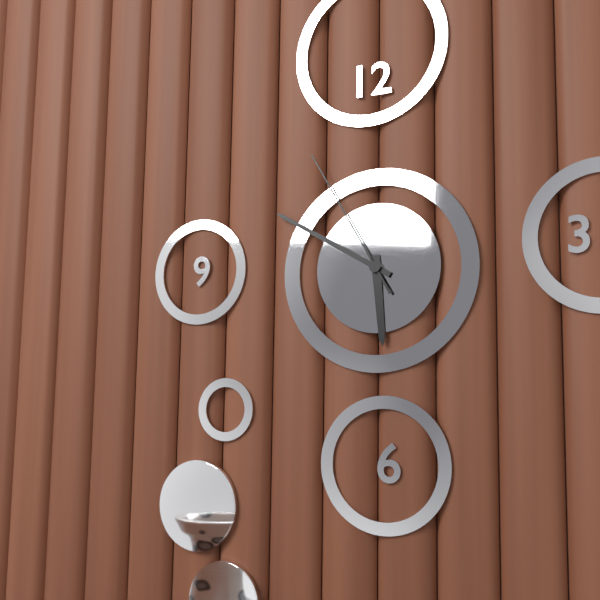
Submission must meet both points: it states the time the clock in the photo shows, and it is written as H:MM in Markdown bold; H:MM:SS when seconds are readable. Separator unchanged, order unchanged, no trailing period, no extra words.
**5:50:55**
